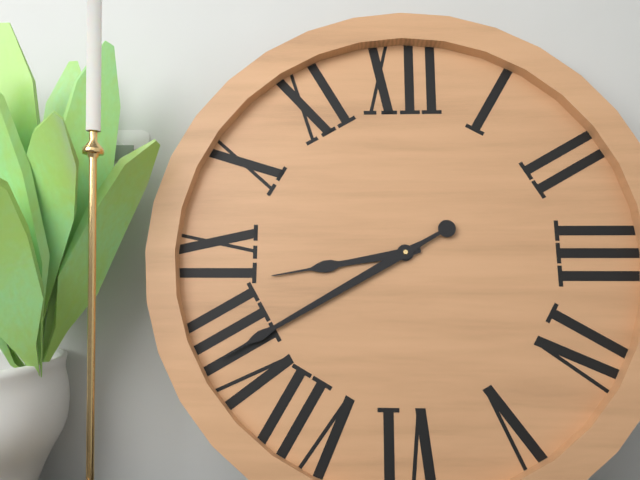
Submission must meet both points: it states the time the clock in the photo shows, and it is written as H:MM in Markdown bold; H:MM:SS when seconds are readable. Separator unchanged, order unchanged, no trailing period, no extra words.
**8:40**
